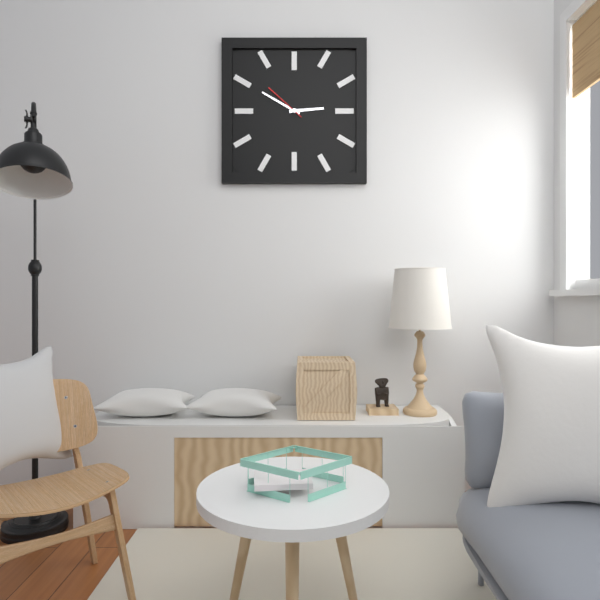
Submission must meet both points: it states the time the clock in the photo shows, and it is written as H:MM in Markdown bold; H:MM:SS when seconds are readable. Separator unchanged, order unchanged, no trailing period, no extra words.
**2:50**
